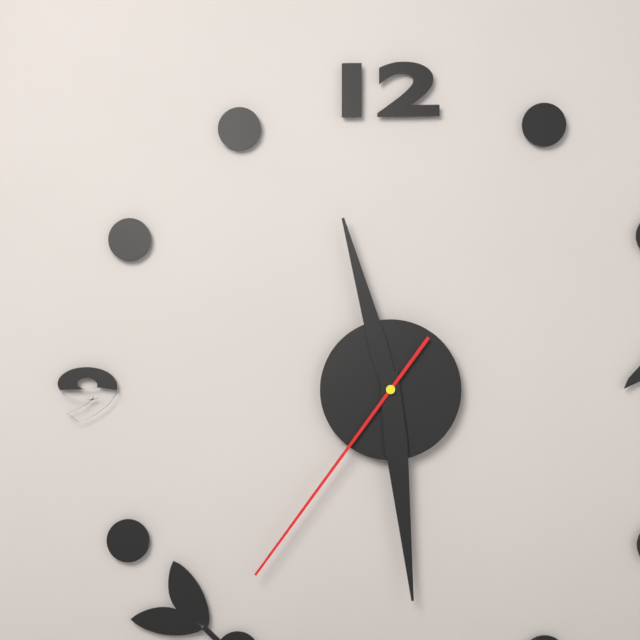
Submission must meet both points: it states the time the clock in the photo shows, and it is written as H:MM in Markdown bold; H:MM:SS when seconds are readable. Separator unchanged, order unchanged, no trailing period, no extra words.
**11:29:36**
